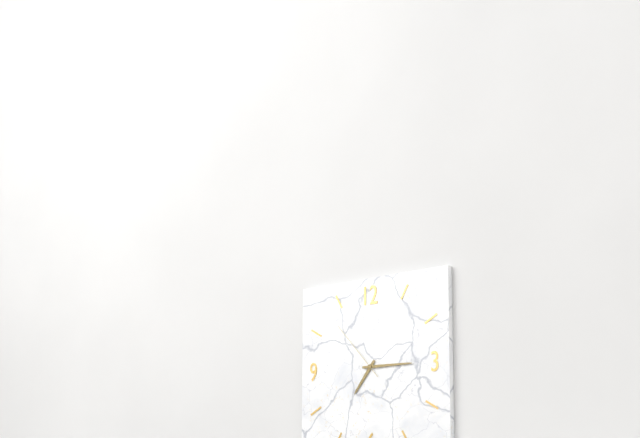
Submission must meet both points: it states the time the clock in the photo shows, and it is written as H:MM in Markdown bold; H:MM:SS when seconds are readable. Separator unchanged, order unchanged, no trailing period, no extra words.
**7:15:53**
